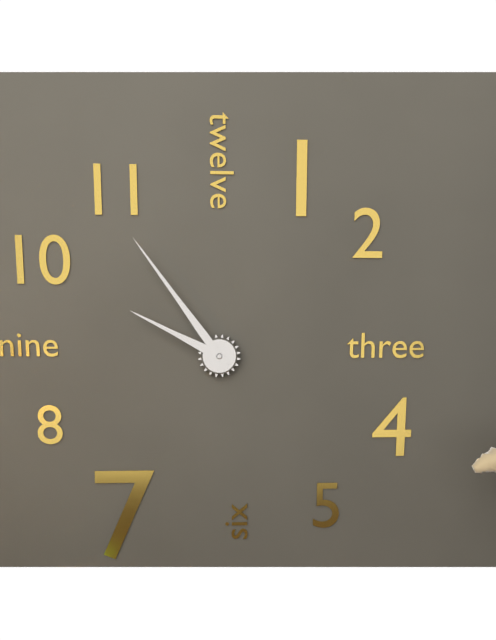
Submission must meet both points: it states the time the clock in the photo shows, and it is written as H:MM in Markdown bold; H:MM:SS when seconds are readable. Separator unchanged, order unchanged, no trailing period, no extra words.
**9:54**
